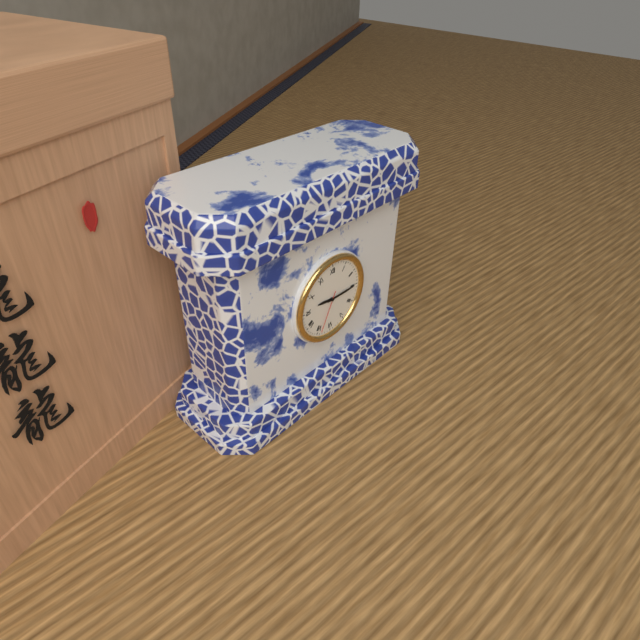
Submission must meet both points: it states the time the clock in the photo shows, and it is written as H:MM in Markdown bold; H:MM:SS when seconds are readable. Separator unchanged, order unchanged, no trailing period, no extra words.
**9:15:34**
